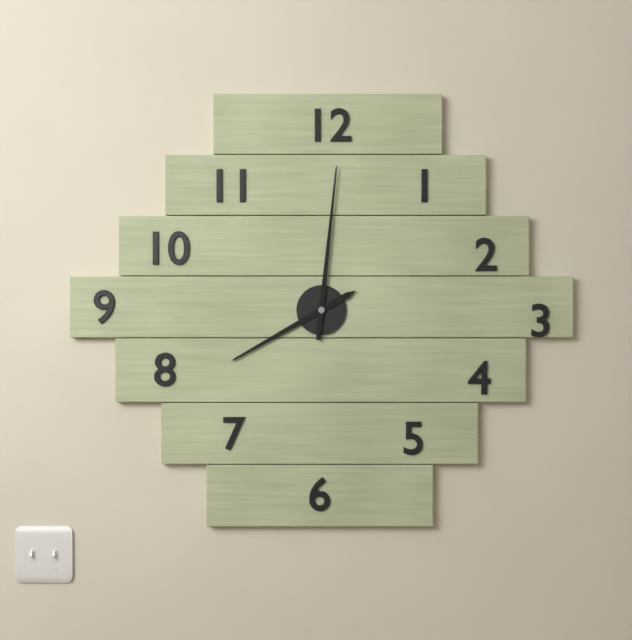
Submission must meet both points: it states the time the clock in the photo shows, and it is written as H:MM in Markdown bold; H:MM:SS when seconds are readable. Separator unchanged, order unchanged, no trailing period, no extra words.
**8:01**
